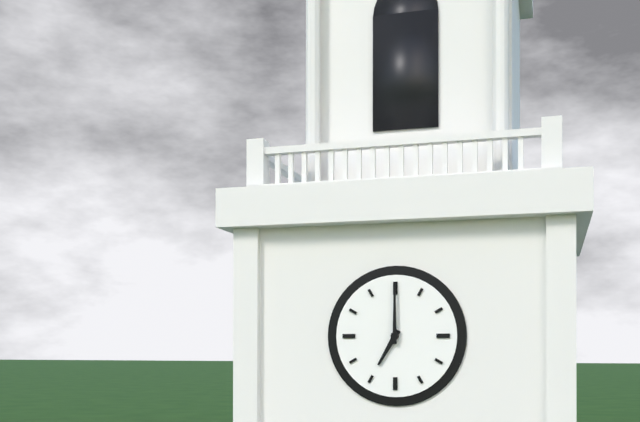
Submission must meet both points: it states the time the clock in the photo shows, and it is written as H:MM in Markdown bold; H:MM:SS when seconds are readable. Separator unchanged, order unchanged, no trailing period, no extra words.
**7:00**
